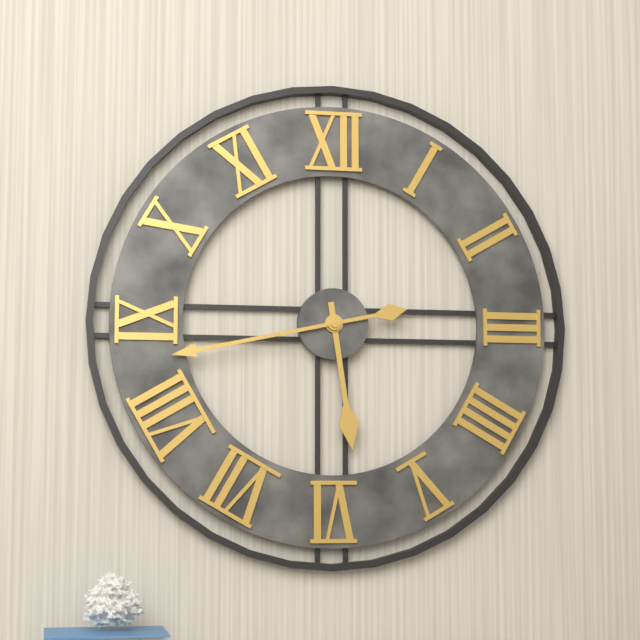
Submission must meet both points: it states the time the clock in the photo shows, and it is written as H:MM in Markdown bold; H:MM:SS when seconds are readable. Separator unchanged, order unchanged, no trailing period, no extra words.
**5:43**
